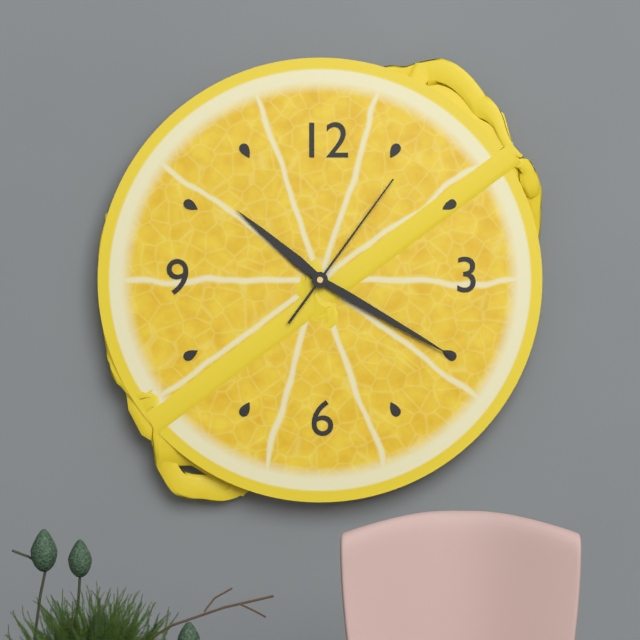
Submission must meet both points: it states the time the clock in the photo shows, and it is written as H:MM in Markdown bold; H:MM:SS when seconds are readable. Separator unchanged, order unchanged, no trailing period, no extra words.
**10:20:06**
